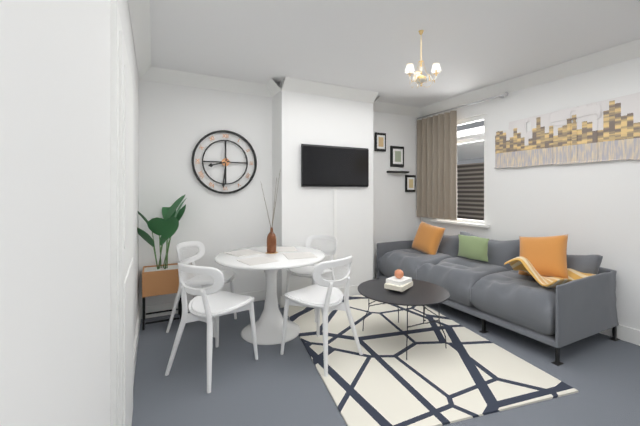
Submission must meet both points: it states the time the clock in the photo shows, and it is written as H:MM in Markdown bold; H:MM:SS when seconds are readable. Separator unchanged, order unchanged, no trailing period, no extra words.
**8:31**
